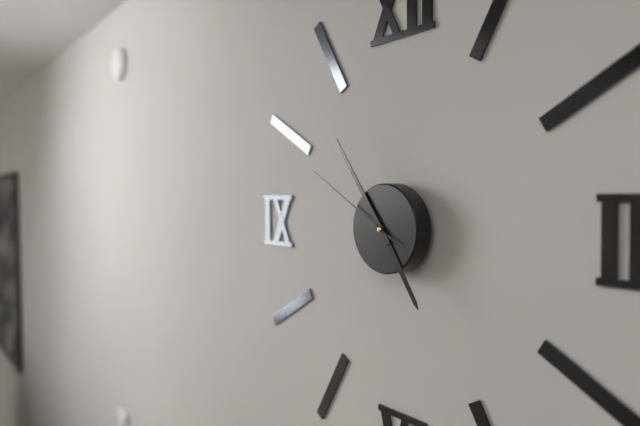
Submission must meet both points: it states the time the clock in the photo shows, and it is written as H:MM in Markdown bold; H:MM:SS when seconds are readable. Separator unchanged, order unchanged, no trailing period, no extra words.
**4:54:50**
